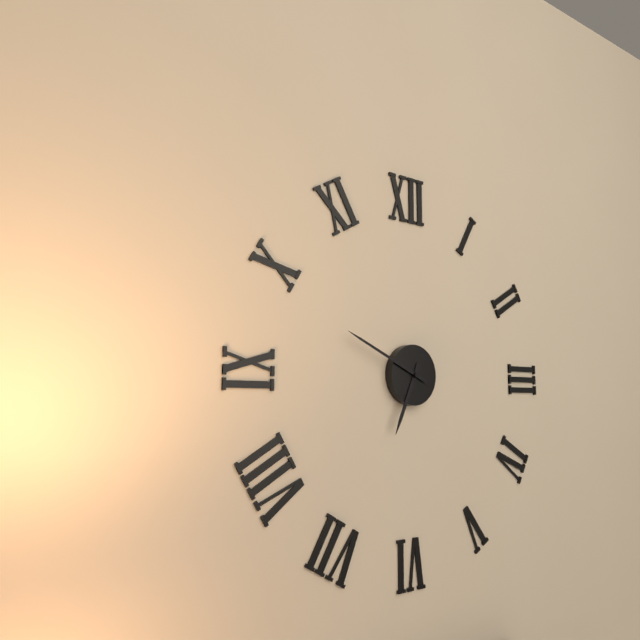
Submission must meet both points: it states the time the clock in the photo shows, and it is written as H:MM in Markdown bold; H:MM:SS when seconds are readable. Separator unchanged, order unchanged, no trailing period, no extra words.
**6:49**
